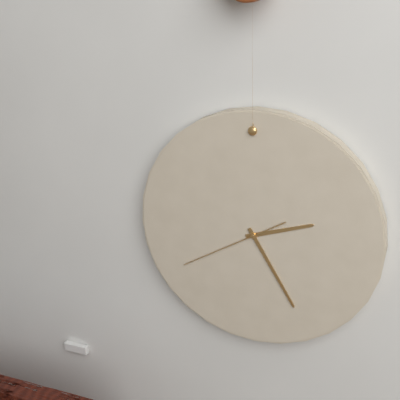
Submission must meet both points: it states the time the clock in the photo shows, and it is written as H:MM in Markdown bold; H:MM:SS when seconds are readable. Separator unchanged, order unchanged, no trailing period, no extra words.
**2:25:40**
